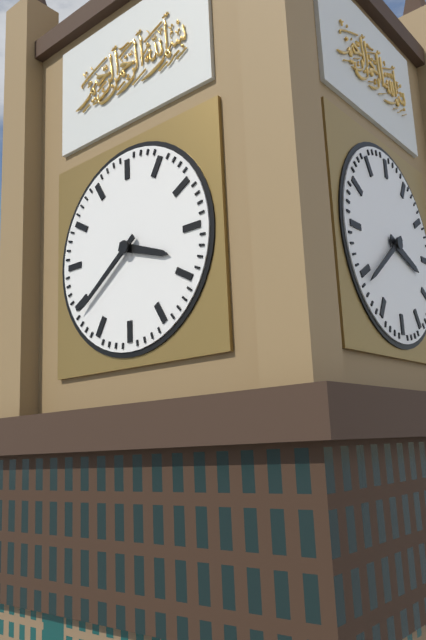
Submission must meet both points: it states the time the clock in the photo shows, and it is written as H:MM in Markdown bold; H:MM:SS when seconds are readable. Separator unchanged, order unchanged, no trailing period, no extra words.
**3:39**
